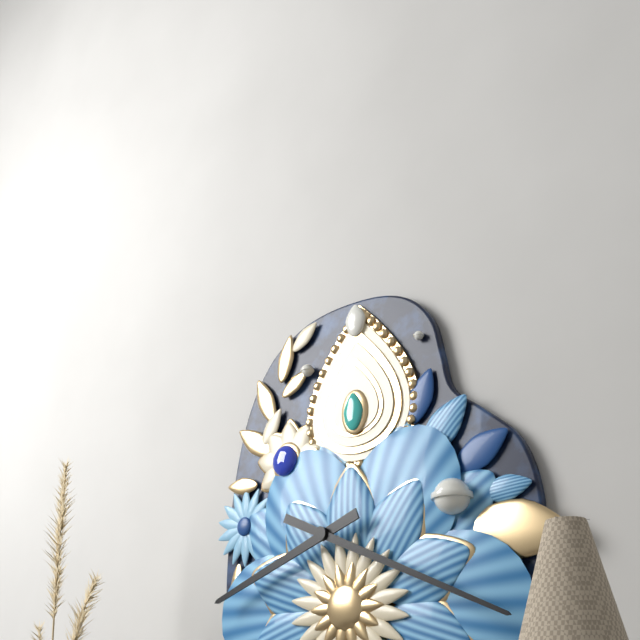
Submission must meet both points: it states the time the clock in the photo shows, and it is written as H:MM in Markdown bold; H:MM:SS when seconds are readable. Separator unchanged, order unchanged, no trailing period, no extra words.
**8:19**
